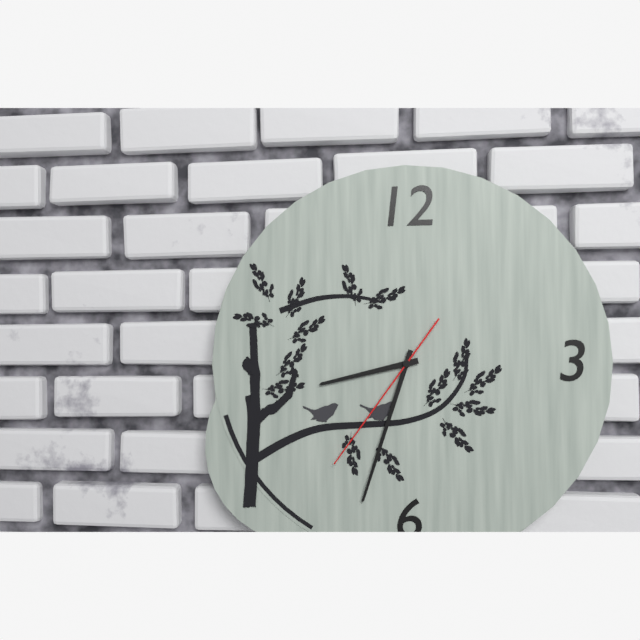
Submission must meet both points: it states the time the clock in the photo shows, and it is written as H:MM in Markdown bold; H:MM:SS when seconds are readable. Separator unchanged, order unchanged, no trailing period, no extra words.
**8:33:36**
